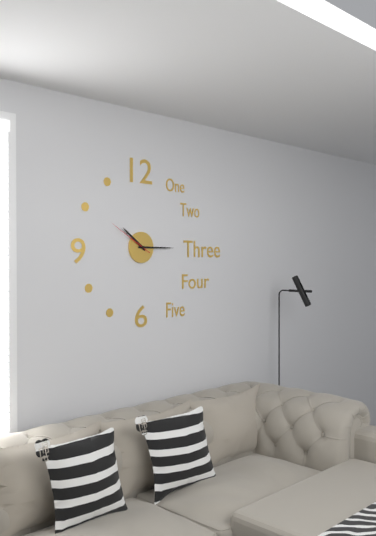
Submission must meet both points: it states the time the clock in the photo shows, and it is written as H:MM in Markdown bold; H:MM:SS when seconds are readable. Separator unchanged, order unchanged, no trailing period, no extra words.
**10:15**
